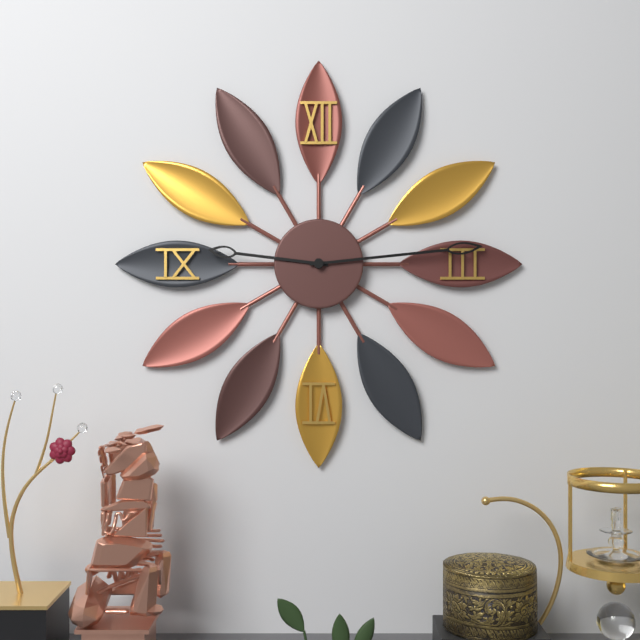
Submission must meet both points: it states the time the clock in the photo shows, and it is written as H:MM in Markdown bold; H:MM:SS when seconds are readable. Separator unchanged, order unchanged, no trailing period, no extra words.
**9:14**
